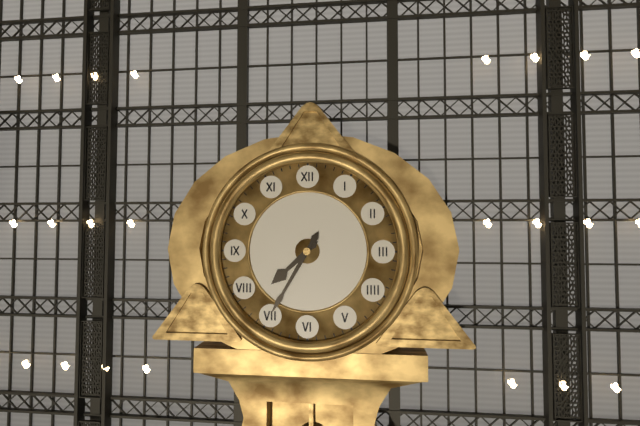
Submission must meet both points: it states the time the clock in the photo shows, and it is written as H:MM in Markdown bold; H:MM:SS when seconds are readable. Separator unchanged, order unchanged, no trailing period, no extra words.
**7:35**
